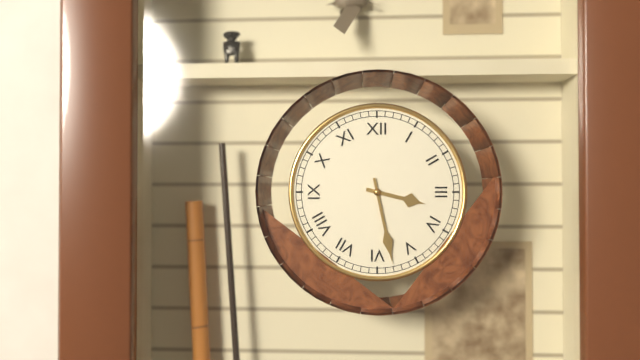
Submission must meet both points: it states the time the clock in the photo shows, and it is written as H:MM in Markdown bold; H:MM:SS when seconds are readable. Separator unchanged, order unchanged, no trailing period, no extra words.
**3:28**
